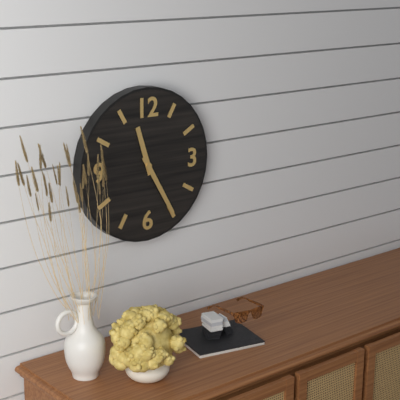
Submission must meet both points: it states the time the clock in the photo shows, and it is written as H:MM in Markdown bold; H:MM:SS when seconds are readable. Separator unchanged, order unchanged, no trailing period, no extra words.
**11:25**
